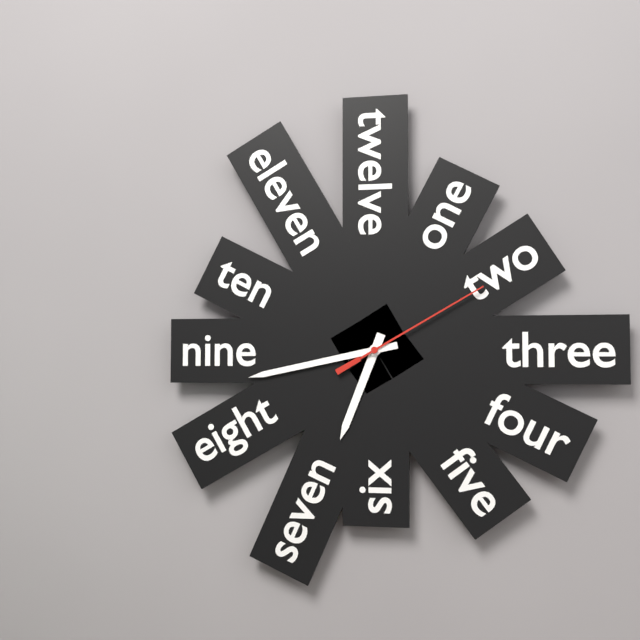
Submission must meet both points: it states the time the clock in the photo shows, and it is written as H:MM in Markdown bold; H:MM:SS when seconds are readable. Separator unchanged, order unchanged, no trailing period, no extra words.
**6:43:10**
